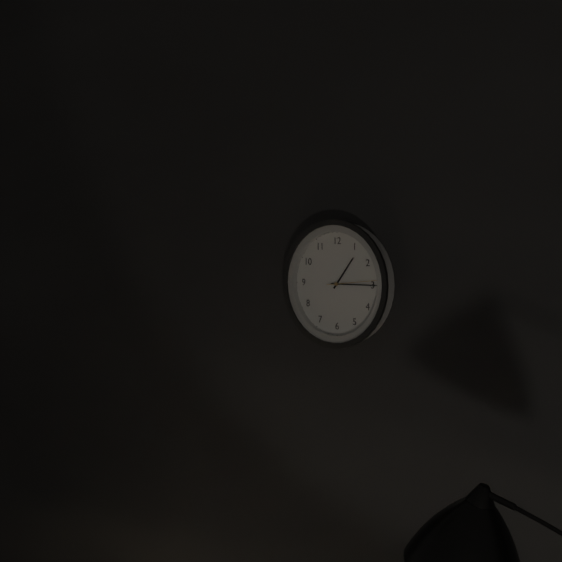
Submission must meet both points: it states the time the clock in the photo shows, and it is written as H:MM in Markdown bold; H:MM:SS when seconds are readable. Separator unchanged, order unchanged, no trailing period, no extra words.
**1:15**
